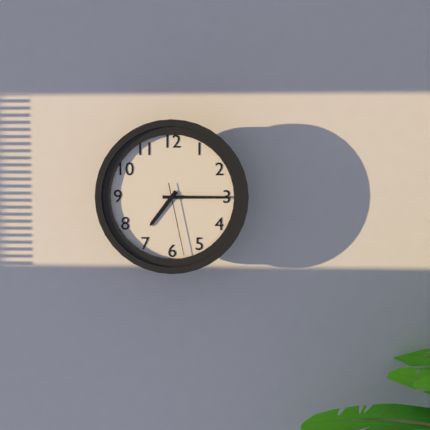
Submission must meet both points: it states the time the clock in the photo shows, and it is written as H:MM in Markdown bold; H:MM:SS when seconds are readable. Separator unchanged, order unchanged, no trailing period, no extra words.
**7:15:28**
